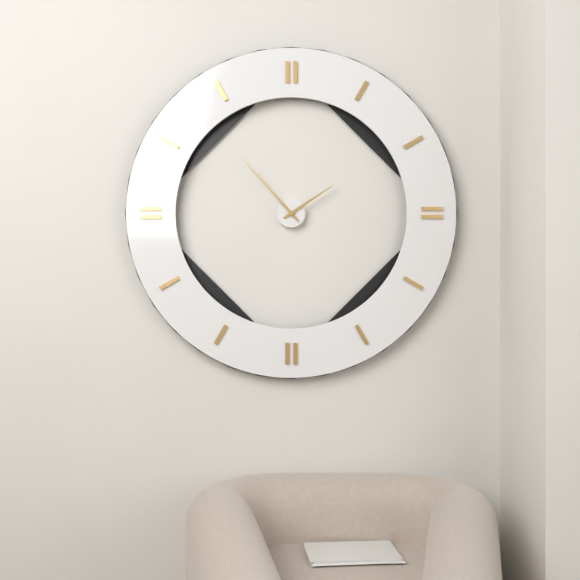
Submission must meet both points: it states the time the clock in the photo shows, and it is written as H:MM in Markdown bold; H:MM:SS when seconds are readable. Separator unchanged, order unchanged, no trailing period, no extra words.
**1:53**
